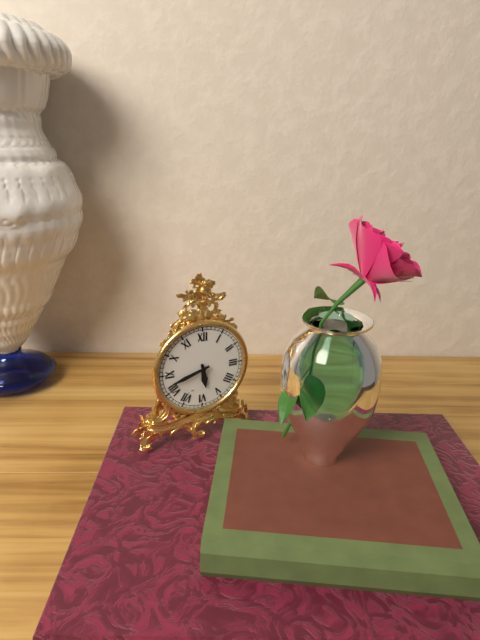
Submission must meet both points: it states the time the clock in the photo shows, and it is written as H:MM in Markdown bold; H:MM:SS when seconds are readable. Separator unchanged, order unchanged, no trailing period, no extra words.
**5:42**
